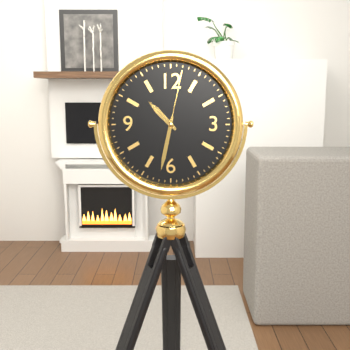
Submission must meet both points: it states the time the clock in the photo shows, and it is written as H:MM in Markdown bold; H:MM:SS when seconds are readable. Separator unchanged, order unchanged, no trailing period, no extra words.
**10:32:02**
